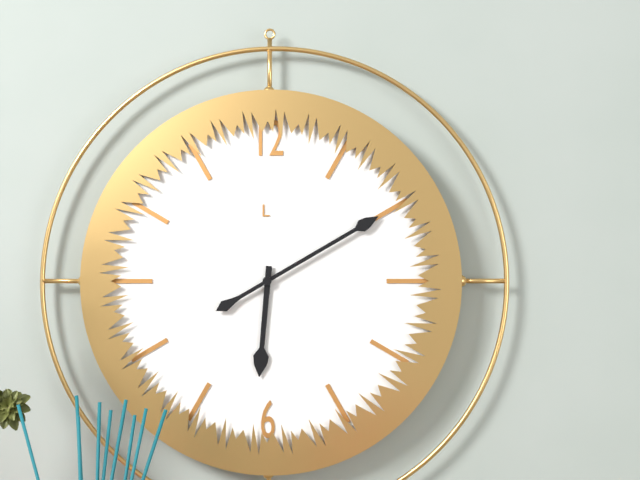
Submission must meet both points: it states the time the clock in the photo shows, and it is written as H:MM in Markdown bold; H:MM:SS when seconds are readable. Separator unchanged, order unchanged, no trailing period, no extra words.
**6:10**
